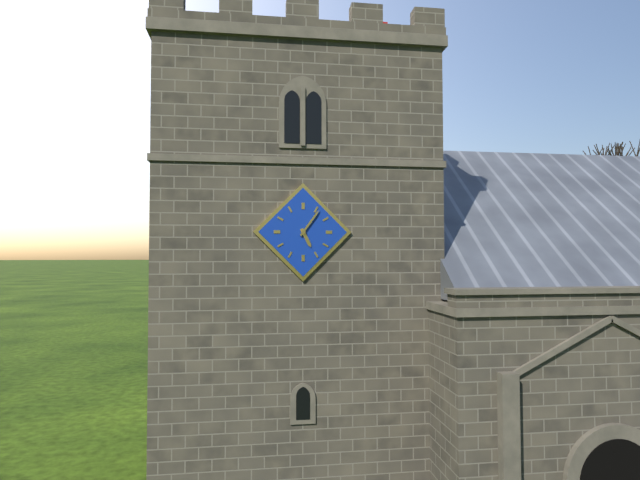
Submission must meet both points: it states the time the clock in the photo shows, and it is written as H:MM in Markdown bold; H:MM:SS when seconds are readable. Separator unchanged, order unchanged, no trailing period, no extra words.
**5:06**
